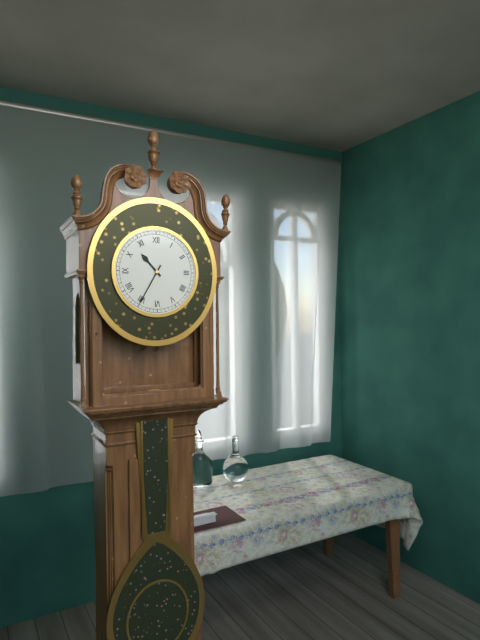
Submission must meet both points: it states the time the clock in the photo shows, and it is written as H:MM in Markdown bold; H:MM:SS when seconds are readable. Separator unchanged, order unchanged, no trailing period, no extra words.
**10:35**
